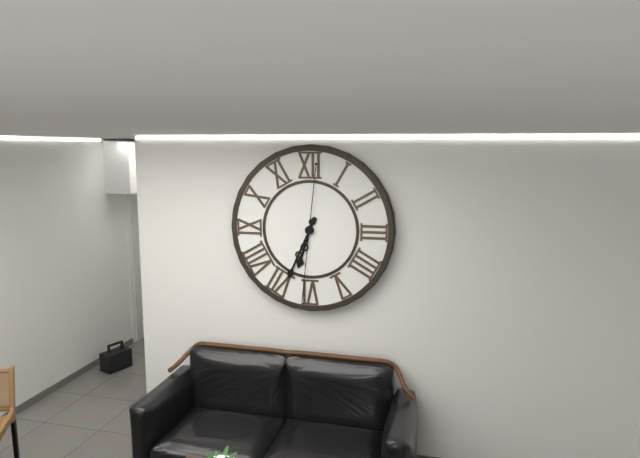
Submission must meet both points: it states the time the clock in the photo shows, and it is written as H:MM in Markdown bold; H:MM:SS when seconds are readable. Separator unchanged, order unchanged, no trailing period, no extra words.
**6:34:31**
